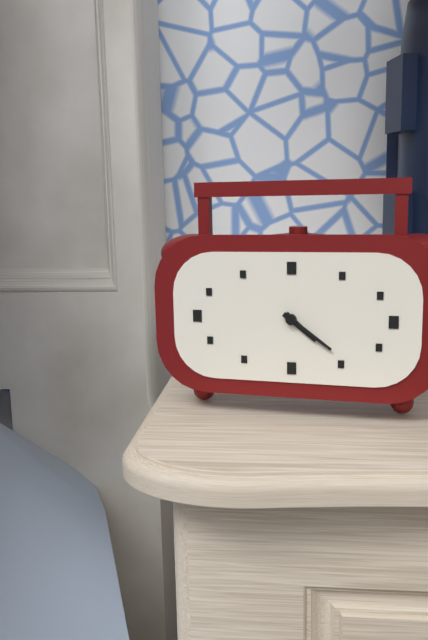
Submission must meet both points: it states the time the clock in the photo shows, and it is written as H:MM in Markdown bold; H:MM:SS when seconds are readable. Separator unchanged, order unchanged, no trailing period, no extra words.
**4:21**
